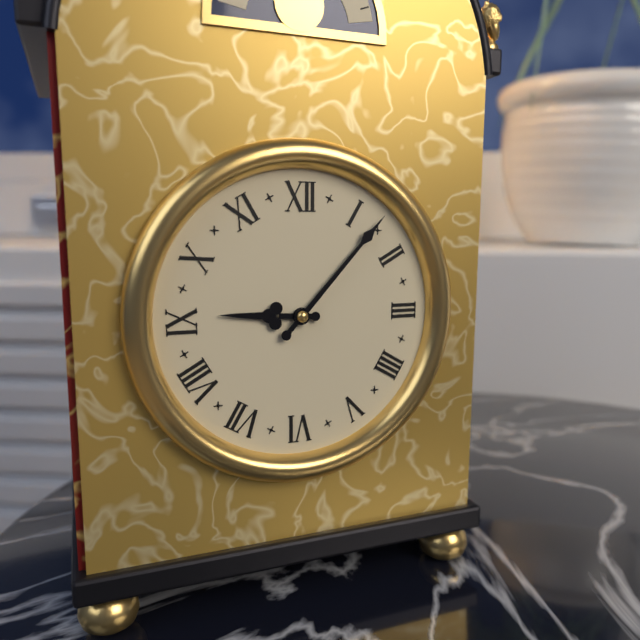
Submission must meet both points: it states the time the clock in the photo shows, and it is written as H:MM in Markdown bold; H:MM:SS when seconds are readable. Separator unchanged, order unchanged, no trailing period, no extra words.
**9:07**
